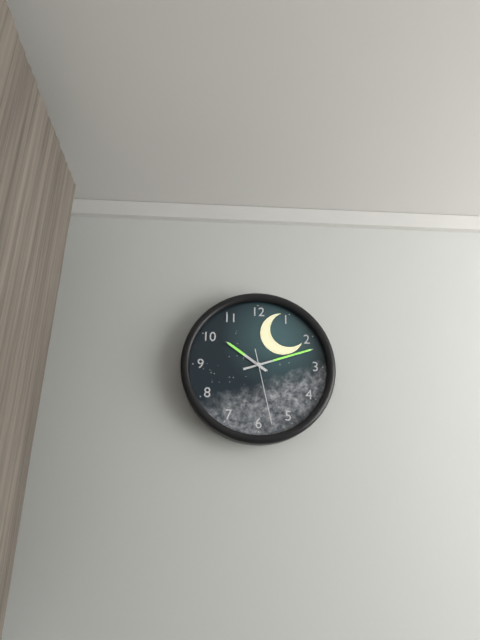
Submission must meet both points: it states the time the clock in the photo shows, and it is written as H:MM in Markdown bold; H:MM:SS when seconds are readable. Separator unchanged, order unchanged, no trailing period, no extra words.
**10:12:28**
